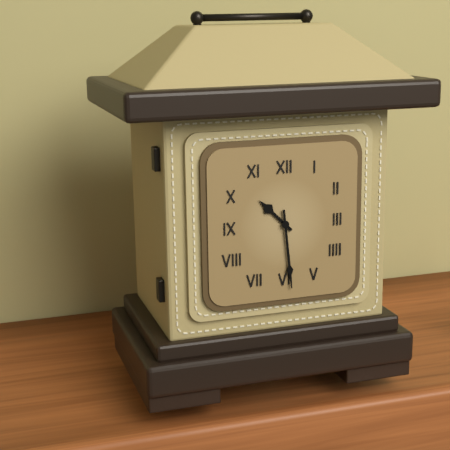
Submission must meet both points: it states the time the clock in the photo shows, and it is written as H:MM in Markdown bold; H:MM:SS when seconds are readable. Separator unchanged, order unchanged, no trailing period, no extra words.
**10:29**
